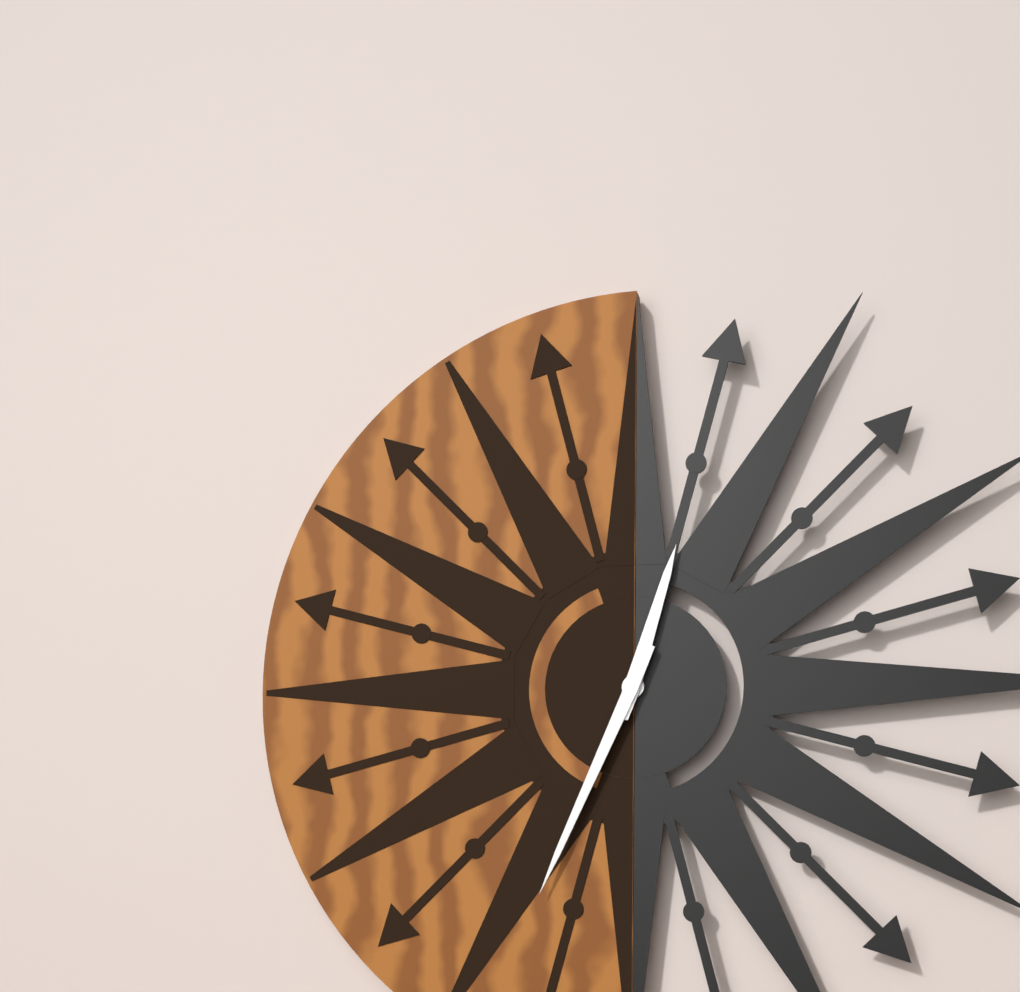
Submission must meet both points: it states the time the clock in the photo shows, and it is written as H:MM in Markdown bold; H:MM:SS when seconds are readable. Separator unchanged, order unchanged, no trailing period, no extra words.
**12:34**
